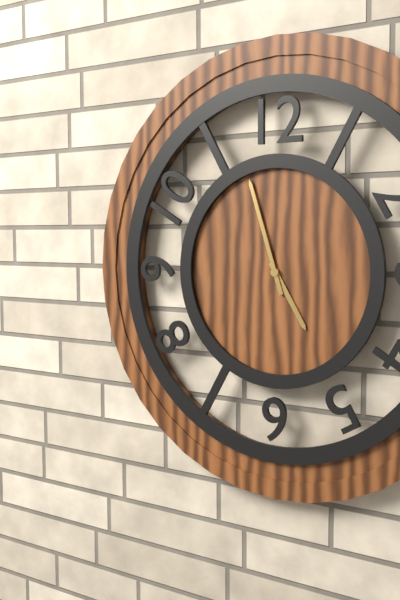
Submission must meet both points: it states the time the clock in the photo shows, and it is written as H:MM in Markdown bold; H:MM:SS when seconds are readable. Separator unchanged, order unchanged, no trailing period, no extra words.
**4:57**
